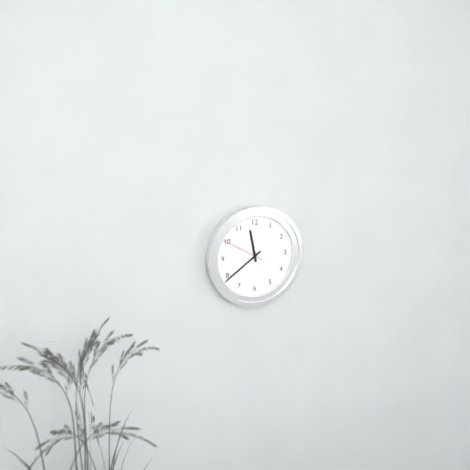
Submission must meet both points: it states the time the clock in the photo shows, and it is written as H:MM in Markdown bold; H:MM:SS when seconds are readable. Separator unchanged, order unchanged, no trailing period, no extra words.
**11:39**
